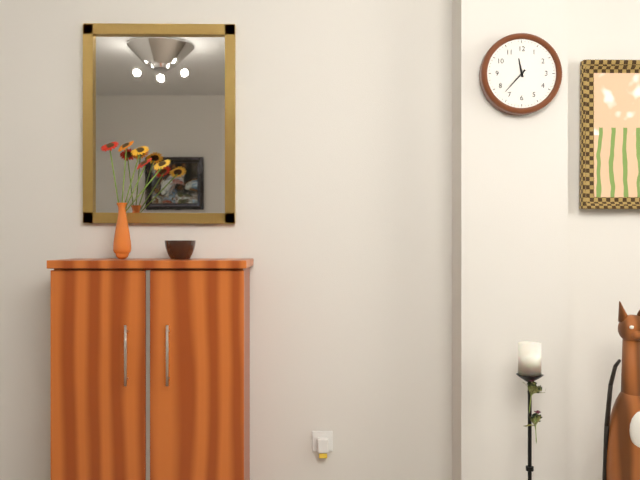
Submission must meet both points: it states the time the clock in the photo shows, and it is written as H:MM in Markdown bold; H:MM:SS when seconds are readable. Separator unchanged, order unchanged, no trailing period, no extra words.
**11:37**
